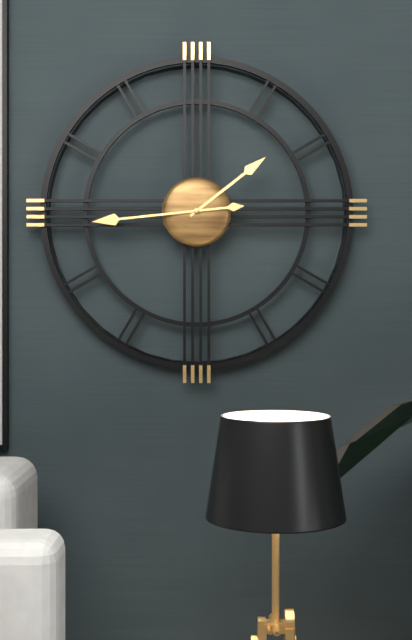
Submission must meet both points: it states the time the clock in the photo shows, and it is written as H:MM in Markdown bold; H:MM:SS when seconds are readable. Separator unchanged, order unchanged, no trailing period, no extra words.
**1:44**
